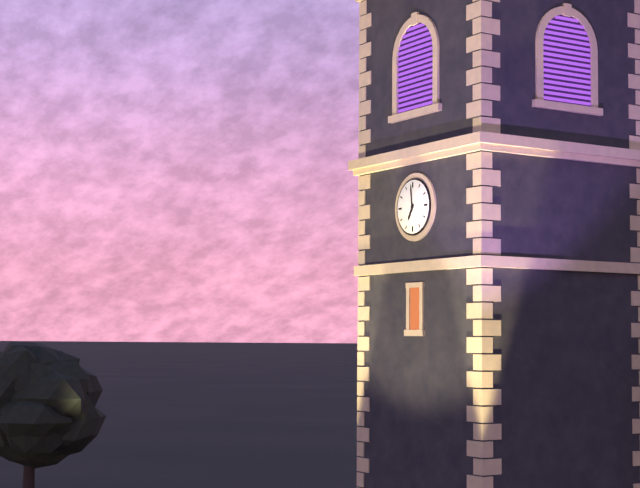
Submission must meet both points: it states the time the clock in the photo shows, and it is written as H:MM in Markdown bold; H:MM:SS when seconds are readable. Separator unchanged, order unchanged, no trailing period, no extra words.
**6:59**
